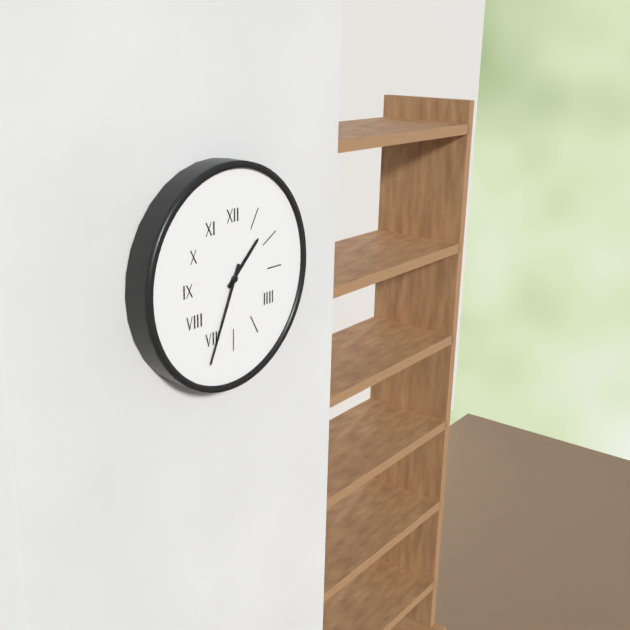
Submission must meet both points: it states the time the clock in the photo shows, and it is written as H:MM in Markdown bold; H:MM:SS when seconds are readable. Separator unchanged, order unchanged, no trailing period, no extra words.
**1:34**
